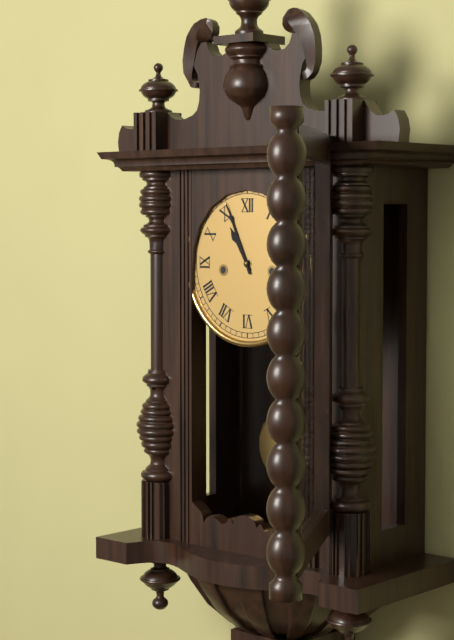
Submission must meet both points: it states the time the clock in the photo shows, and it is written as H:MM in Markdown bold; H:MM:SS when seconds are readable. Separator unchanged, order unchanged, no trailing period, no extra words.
**10:56**
